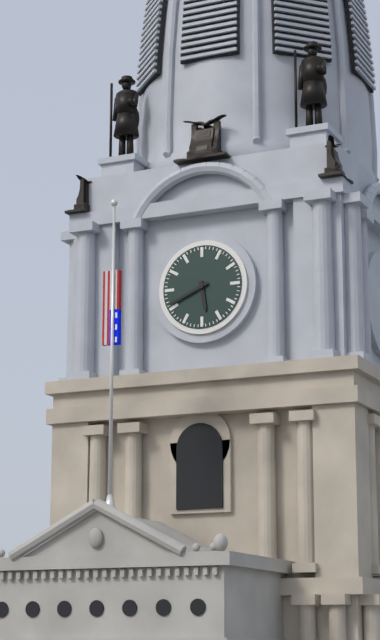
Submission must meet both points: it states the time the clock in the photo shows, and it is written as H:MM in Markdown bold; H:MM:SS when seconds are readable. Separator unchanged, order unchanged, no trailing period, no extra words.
**5:41**
